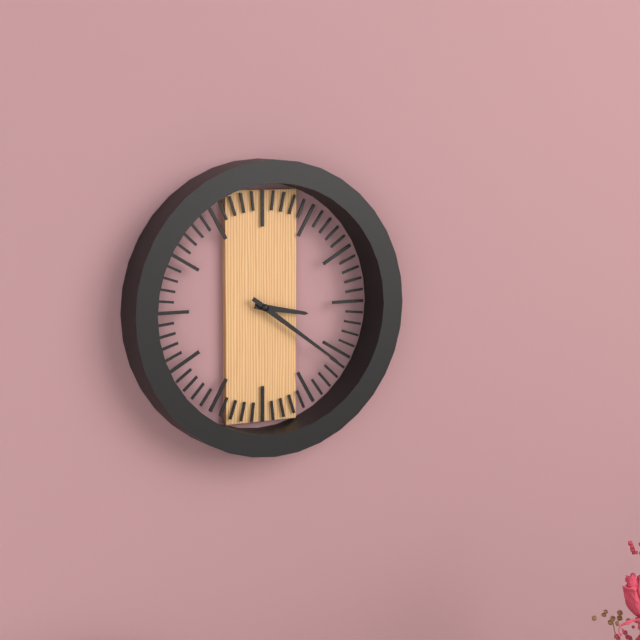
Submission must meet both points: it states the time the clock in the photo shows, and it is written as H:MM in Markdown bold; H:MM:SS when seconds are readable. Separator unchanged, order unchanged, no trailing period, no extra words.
**3:21**
